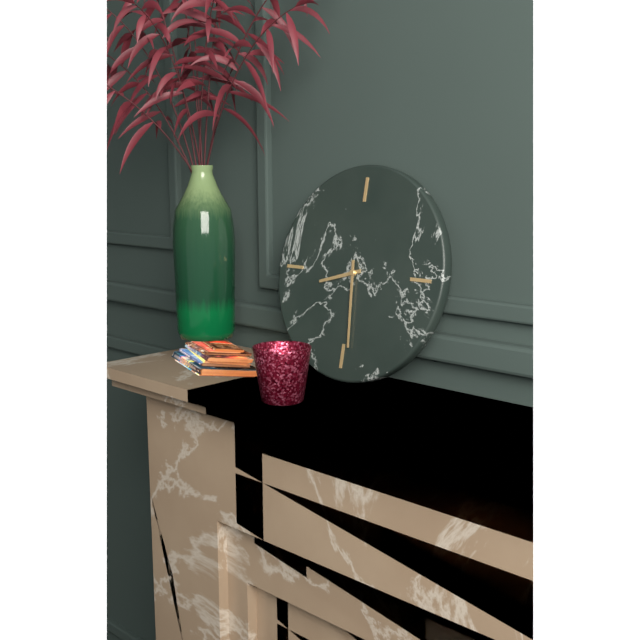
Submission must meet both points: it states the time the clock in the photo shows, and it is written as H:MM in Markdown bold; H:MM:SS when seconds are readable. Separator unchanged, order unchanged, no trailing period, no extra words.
**8:29**
